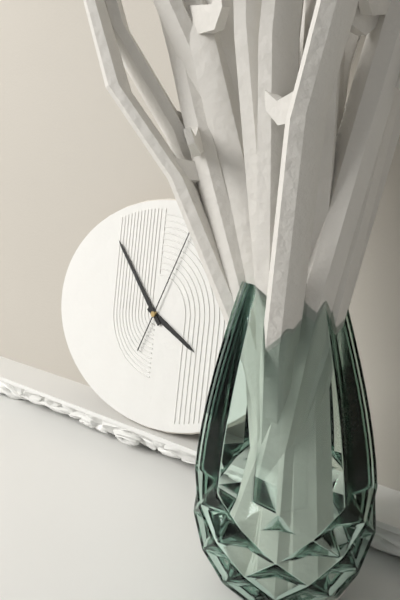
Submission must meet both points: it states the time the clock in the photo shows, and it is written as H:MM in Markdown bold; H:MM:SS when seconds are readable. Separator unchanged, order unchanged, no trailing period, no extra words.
**3:53:04**
